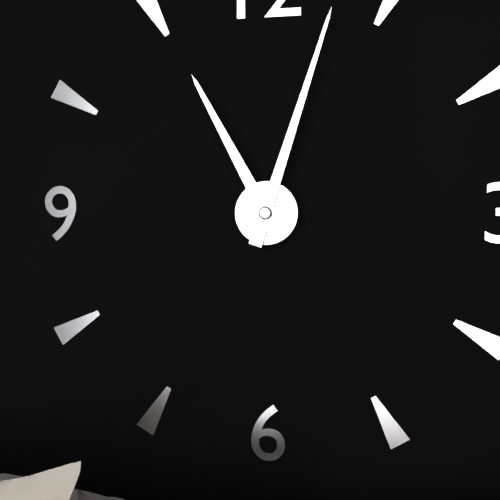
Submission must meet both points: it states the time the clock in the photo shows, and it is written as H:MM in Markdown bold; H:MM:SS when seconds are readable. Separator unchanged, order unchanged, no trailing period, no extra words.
**11:03**
